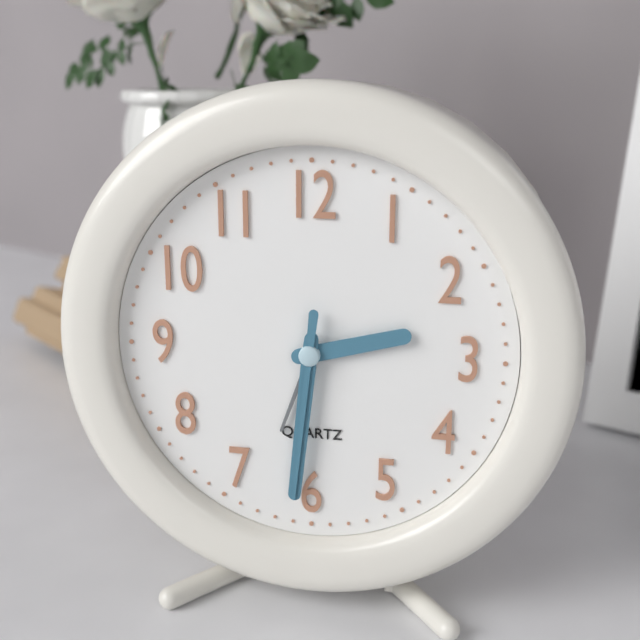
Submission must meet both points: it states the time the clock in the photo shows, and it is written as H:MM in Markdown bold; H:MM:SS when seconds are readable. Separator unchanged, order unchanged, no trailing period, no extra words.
**2:31:31**
